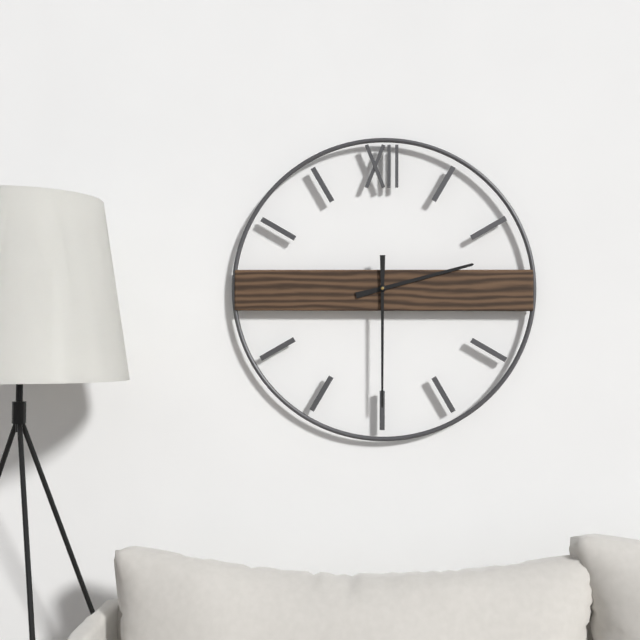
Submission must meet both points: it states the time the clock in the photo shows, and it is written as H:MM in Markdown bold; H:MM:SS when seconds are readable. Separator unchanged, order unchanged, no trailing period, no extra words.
**2:30**
